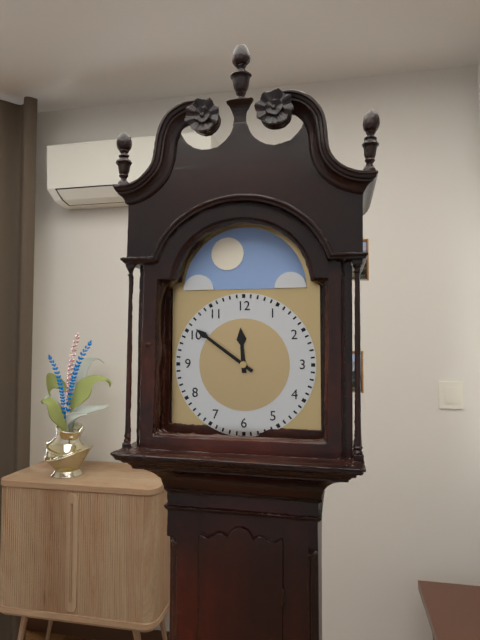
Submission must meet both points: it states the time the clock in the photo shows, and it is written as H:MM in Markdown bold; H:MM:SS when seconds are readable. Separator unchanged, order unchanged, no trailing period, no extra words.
**11:51**
